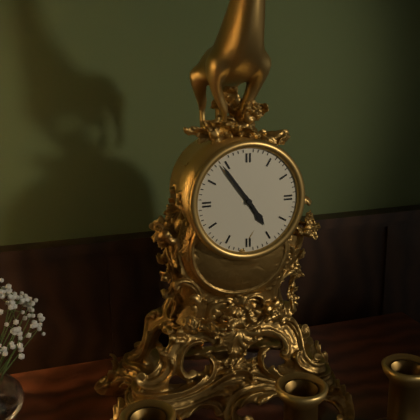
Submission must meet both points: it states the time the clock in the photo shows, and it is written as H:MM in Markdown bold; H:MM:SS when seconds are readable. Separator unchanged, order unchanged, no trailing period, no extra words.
**4:54**
